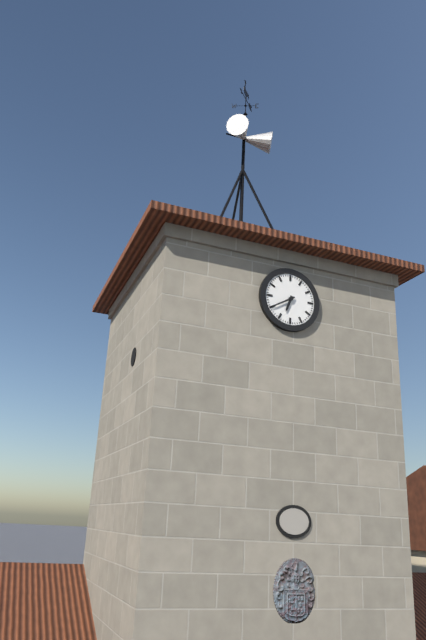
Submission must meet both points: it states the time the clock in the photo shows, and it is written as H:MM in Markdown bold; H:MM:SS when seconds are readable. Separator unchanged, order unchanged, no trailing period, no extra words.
**6:40**
